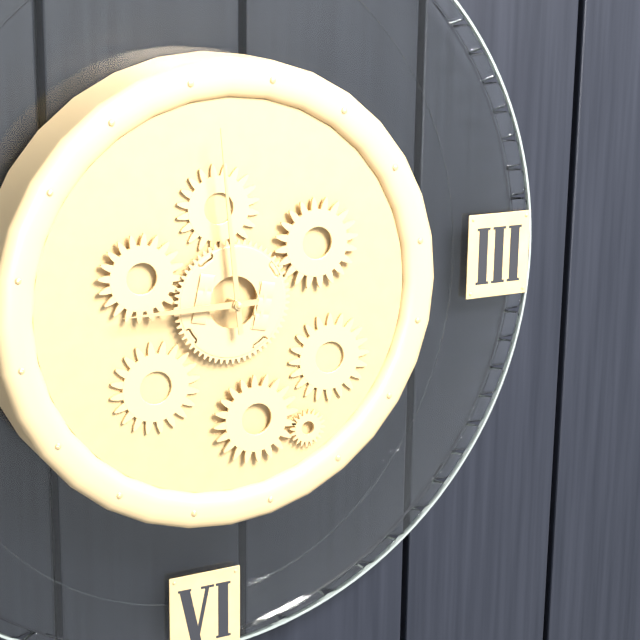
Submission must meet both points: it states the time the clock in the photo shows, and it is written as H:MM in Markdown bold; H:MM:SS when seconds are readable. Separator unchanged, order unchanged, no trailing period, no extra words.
**8:59**
